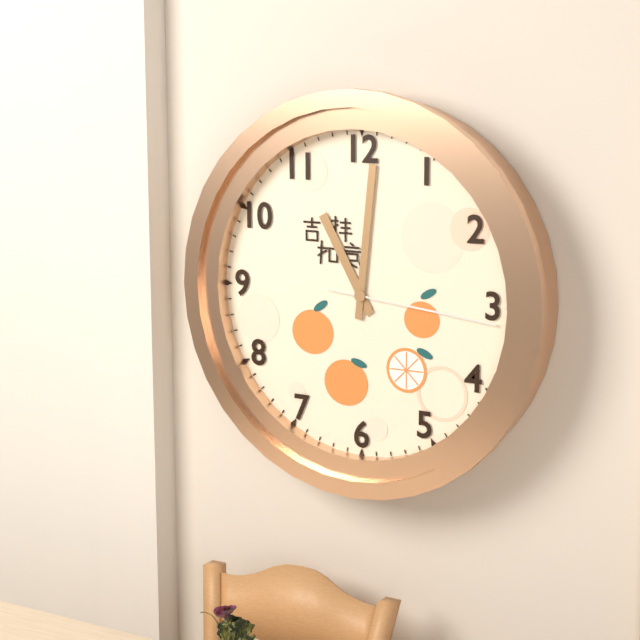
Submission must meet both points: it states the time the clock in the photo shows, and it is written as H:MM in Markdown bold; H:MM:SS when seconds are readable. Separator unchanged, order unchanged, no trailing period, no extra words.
**11:01:16**
